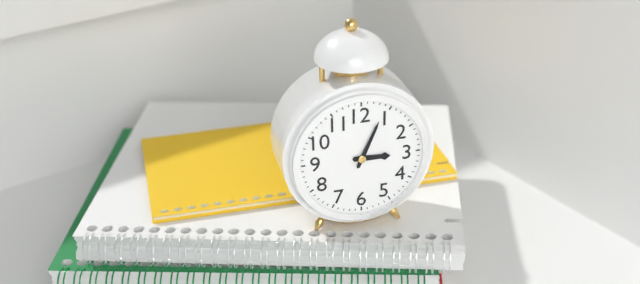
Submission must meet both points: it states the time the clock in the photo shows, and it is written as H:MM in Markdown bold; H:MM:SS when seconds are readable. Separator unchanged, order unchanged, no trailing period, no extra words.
**3:04**
